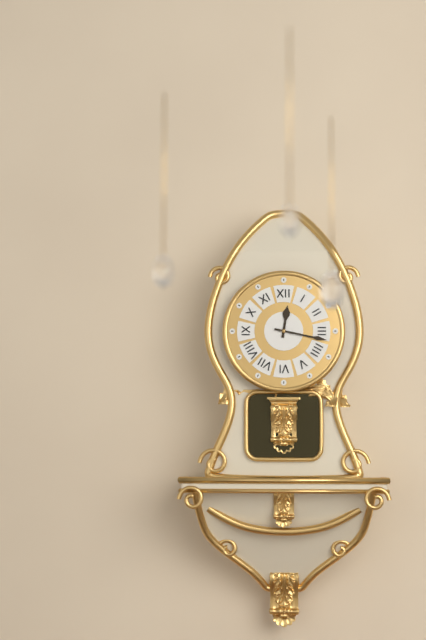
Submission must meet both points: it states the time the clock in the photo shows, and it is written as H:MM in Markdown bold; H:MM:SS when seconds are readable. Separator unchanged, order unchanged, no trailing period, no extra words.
**12:17**
